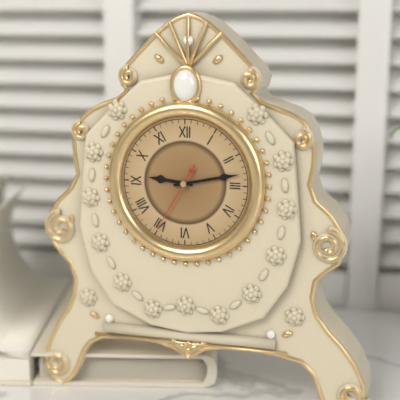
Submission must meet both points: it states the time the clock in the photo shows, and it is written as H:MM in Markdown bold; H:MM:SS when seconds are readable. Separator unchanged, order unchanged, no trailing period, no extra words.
**9:13:35**
